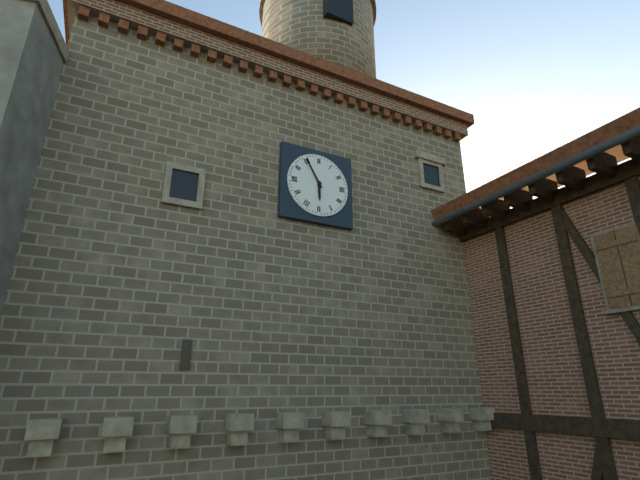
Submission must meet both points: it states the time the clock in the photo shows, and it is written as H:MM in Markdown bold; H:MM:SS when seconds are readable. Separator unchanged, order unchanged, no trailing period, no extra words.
**5:55**
